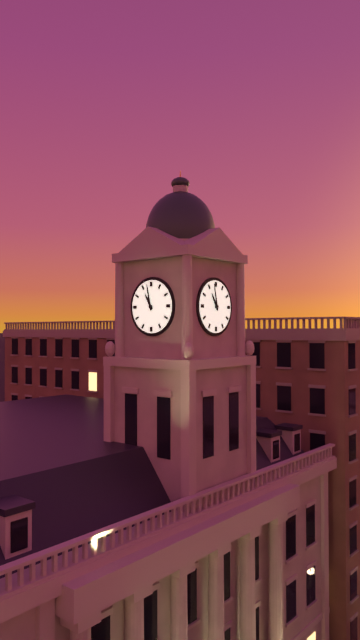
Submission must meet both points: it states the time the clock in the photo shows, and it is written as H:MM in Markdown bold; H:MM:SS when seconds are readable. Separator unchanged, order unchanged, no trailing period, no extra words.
**10:58**
